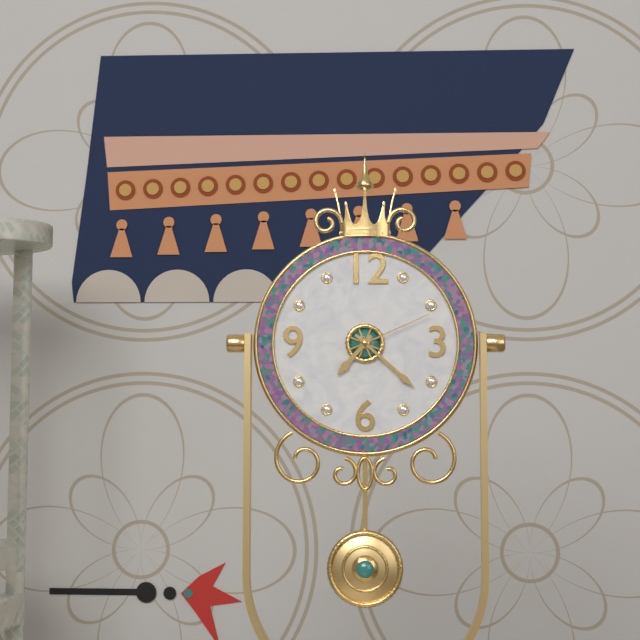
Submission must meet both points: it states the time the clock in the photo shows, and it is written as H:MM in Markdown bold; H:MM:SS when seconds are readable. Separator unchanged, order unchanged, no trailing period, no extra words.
**7:22:11**
